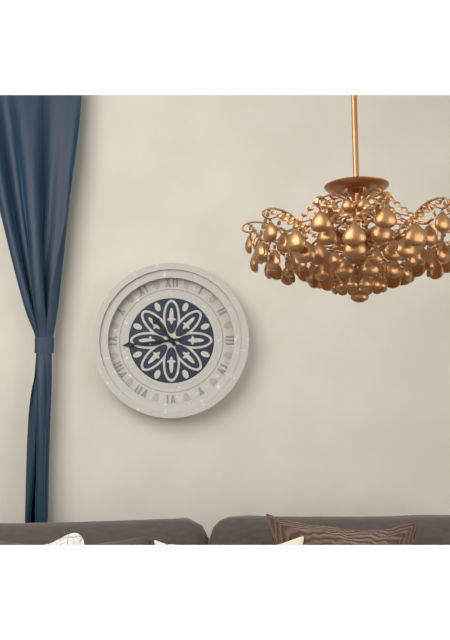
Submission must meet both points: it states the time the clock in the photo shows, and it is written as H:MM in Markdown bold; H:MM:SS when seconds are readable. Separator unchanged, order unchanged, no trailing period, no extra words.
**10:44**
